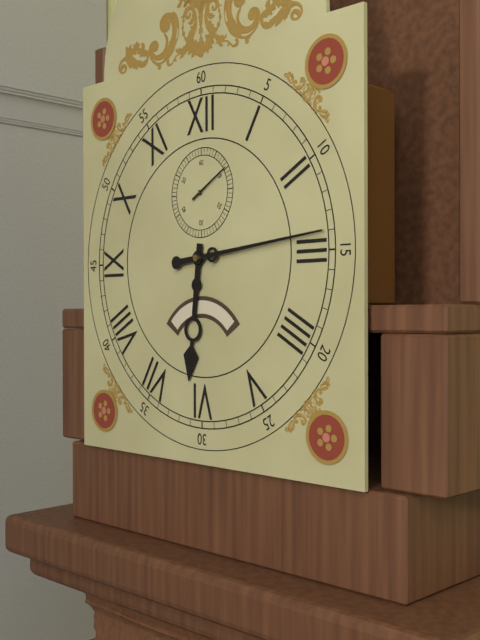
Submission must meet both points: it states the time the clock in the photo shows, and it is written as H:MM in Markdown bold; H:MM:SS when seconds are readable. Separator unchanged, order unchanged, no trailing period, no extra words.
**6:14**
